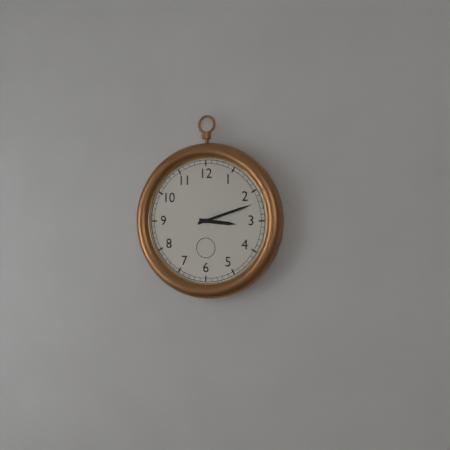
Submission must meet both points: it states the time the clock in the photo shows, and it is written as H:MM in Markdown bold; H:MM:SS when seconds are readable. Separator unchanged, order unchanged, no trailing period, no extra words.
**3:12**
